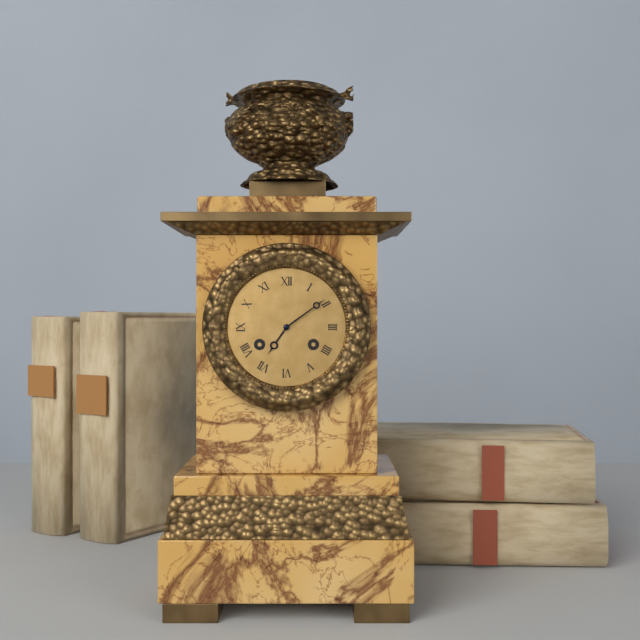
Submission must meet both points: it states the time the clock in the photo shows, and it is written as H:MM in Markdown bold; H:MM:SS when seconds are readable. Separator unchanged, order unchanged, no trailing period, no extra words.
**7:09**
